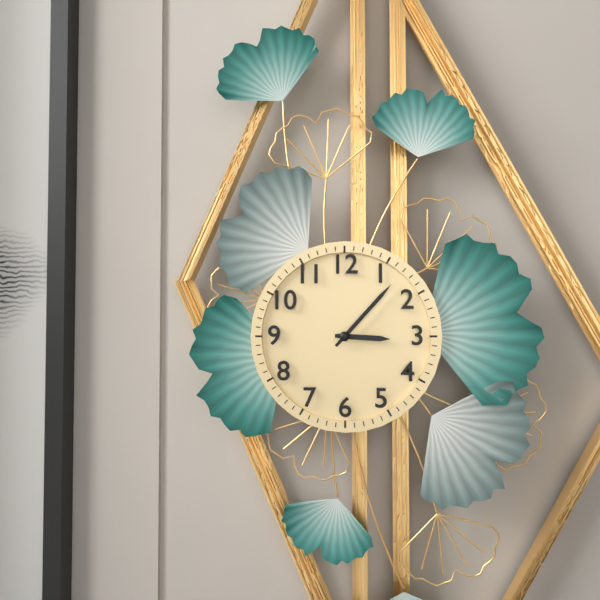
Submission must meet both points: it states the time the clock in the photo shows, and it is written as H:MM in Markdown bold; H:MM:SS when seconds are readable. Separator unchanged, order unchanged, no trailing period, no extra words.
**3:07**
